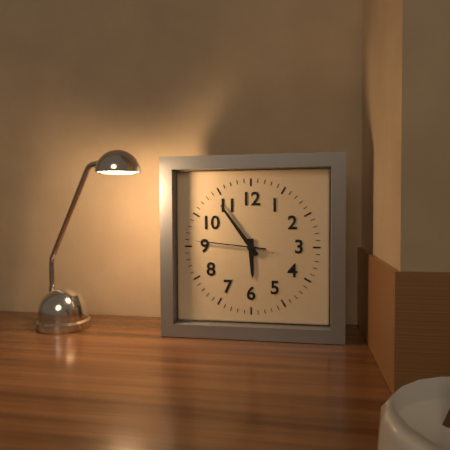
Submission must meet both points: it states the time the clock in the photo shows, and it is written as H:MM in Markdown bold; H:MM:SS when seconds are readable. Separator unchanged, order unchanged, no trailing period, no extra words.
**5:54:46**
